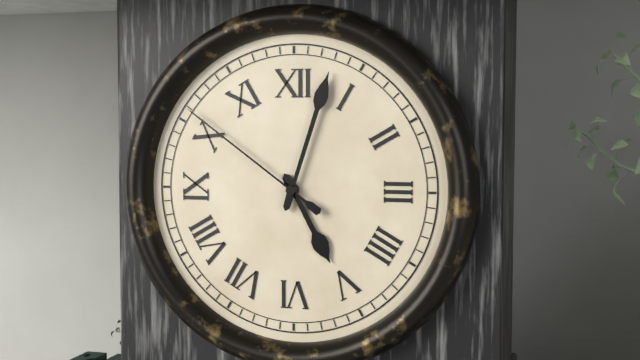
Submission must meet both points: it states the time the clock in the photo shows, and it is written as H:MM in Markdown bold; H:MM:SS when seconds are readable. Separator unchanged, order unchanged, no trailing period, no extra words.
**5:03:51**
